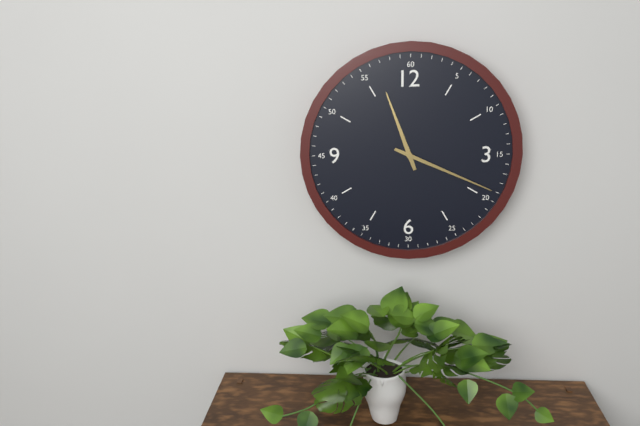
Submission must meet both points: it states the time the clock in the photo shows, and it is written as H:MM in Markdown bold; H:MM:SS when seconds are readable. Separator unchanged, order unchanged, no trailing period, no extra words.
**11:19**
